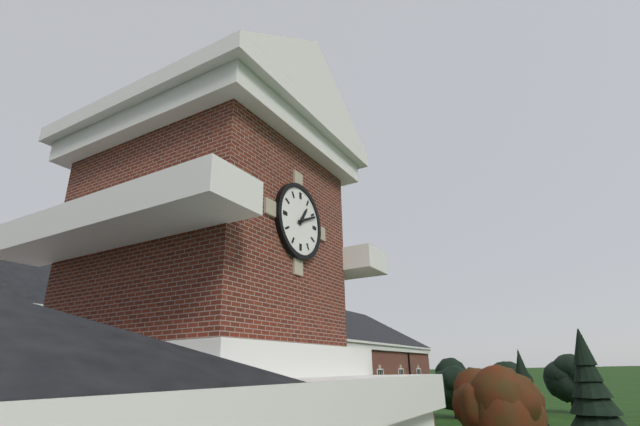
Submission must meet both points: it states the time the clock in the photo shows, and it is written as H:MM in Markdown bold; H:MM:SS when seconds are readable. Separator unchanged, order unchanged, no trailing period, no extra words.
**1:11**
